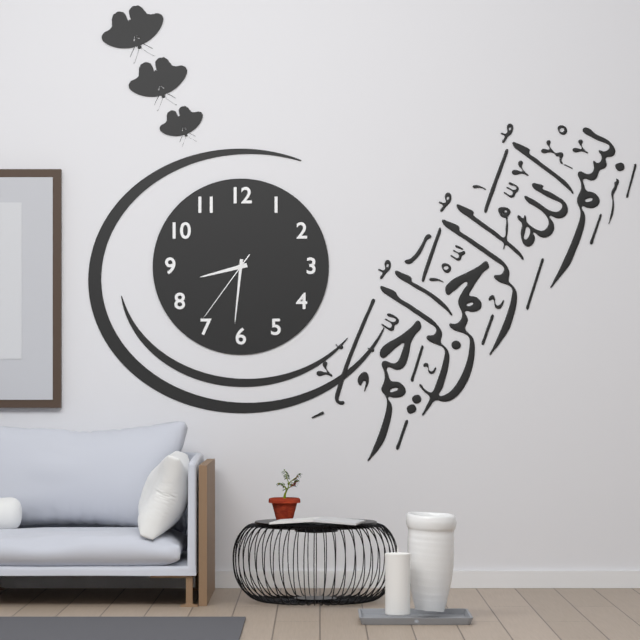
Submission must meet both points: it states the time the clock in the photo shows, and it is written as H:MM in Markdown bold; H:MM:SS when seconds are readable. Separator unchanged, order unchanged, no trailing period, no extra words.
**8:31:36**
